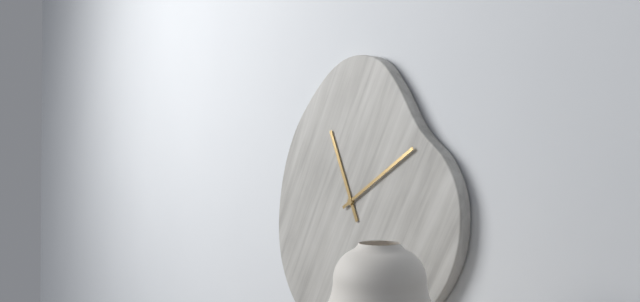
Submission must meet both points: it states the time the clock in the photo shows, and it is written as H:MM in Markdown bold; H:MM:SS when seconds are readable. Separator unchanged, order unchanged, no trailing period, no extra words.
**11:10**
